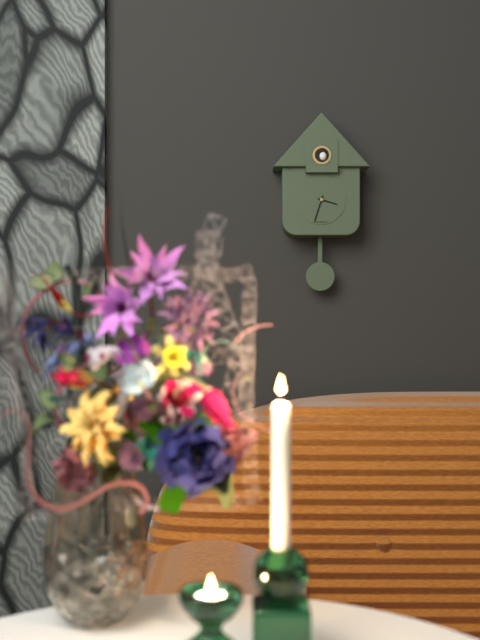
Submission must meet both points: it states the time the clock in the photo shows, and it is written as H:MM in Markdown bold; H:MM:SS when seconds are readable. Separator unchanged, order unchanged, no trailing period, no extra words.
**3:33**
